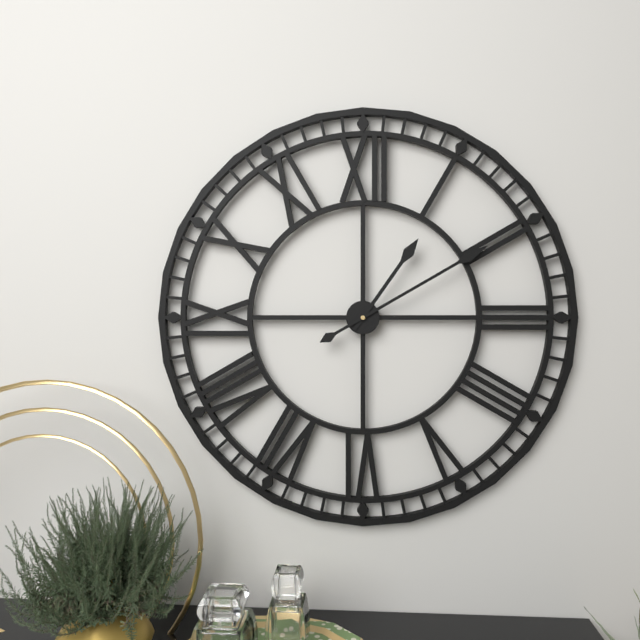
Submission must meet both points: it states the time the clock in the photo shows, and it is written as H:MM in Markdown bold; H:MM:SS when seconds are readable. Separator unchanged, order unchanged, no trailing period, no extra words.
**1:10**
